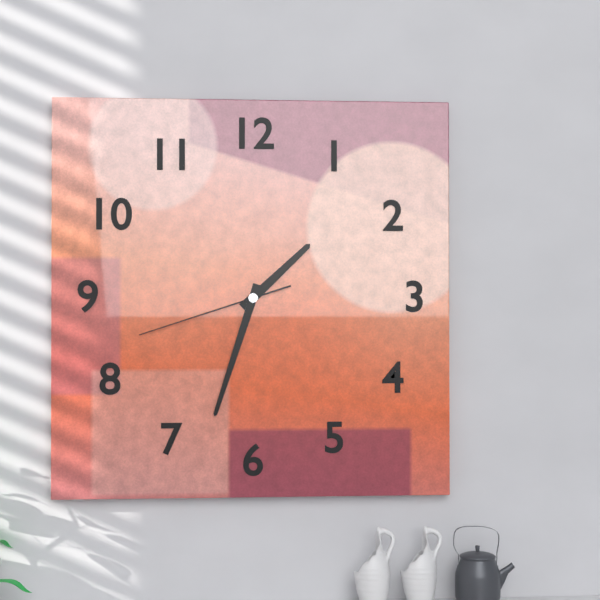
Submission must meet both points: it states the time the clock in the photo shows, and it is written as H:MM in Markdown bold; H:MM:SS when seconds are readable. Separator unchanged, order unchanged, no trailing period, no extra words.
**1:33:42**
